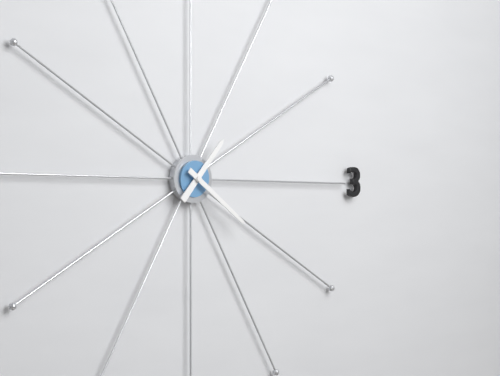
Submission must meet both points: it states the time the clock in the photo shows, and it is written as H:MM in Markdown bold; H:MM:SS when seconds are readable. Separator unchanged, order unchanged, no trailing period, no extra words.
**1:21**
